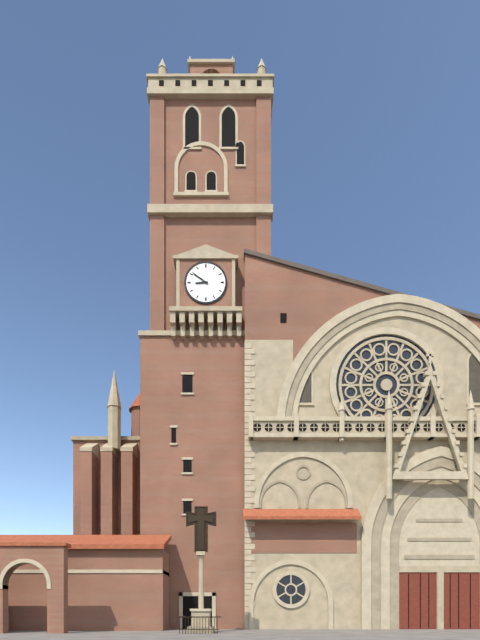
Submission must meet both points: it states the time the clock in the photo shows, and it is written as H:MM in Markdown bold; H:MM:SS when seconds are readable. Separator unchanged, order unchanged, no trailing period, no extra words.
**8:51**
